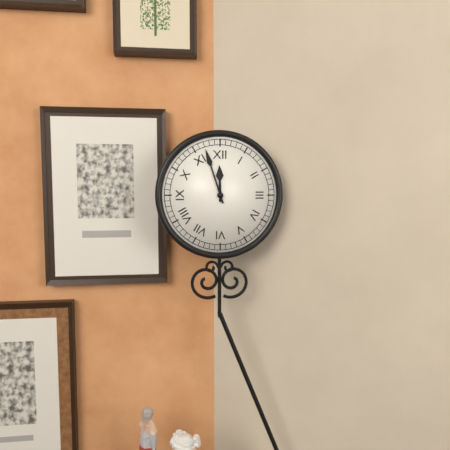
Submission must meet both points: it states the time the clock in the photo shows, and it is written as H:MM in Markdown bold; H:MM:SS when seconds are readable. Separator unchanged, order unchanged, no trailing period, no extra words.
**11:57**
